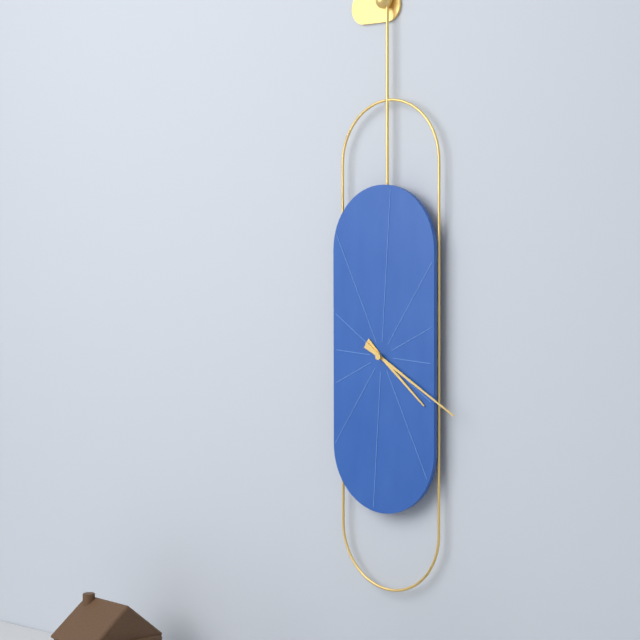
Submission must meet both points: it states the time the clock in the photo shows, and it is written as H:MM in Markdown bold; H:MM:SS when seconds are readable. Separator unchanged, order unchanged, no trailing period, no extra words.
**4:20**
